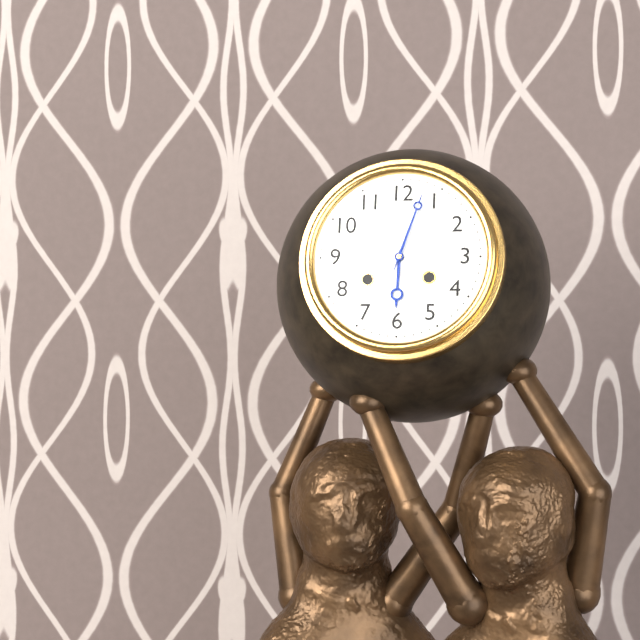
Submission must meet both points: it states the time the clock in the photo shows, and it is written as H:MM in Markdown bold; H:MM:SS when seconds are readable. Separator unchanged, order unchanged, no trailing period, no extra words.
**6:03**
